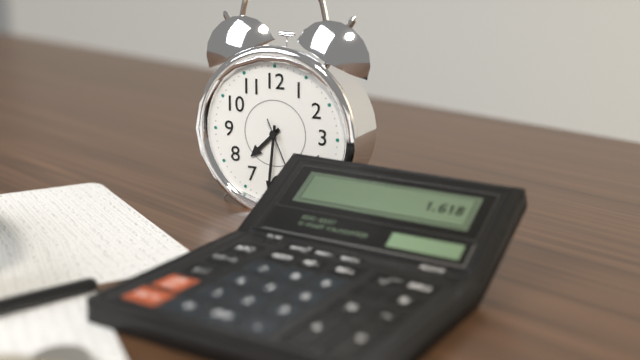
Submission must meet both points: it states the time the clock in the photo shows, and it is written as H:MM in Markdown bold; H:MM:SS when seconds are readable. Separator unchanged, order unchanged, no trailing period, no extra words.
**7:31**
